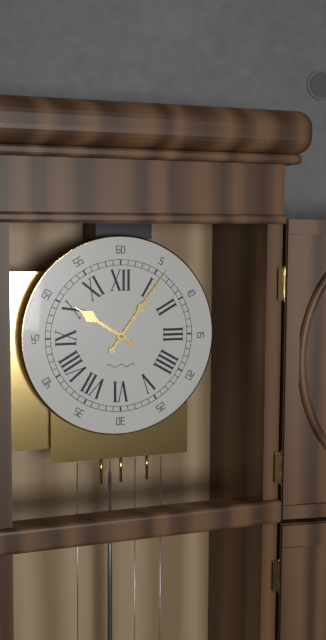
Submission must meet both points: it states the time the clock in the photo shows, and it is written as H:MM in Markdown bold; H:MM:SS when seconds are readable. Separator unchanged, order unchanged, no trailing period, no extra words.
**10:06**
